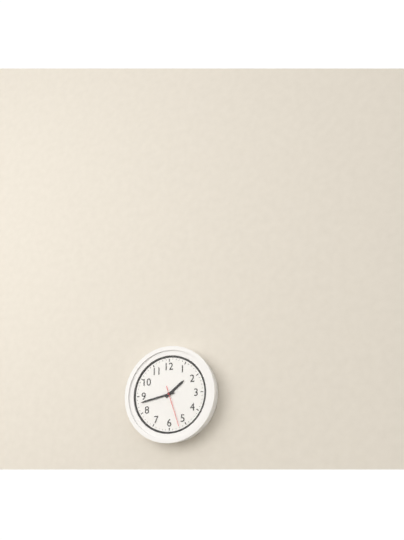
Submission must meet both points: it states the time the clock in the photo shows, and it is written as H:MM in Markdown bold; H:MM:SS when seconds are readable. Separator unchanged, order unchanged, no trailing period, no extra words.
**1:43**
